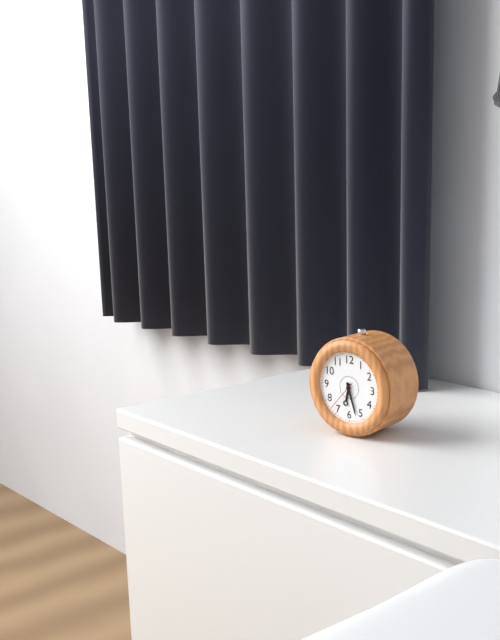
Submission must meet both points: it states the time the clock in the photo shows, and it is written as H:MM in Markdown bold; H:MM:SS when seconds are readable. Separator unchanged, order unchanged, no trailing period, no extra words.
**6:27:37**
